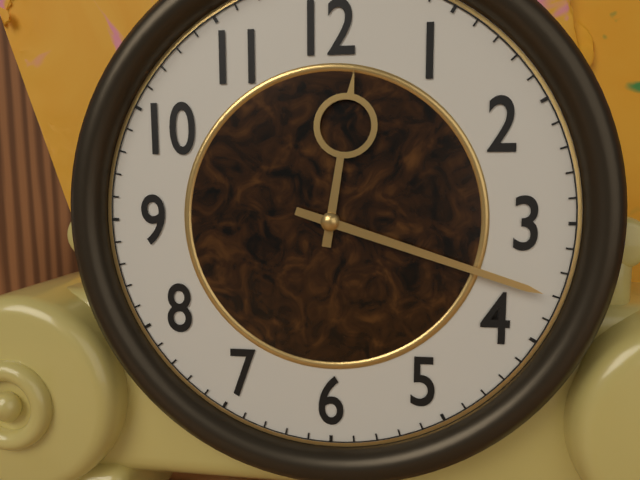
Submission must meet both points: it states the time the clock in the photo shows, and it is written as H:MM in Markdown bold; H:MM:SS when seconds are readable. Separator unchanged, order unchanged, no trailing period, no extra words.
**12:18**
